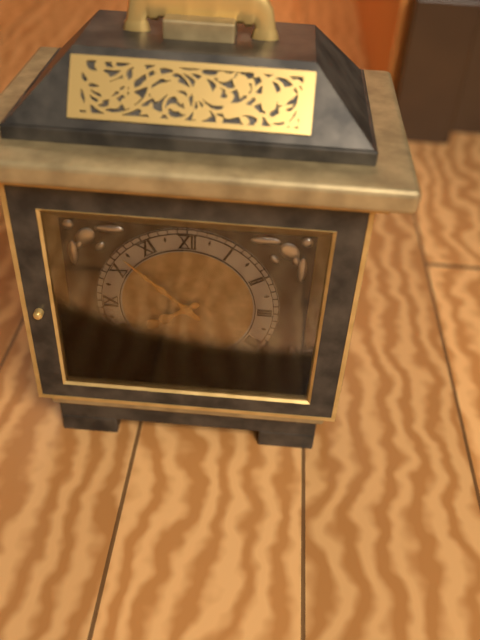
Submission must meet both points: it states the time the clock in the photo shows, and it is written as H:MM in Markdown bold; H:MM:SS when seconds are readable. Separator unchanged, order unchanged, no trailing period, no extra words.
**7:52**
